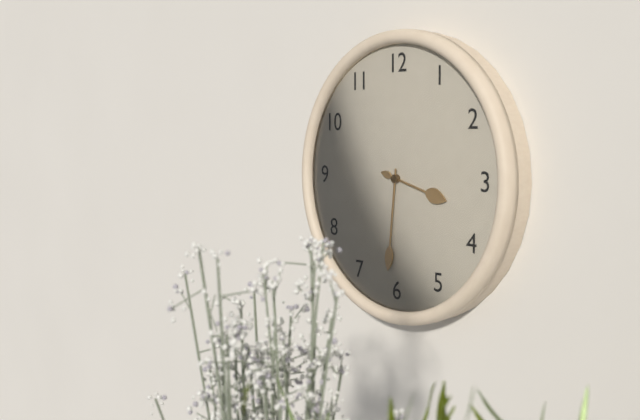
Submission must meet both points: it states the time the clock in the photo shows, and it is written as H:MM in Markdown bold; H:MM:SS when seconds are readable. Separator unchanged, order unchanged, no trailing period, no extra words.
**3:31**
